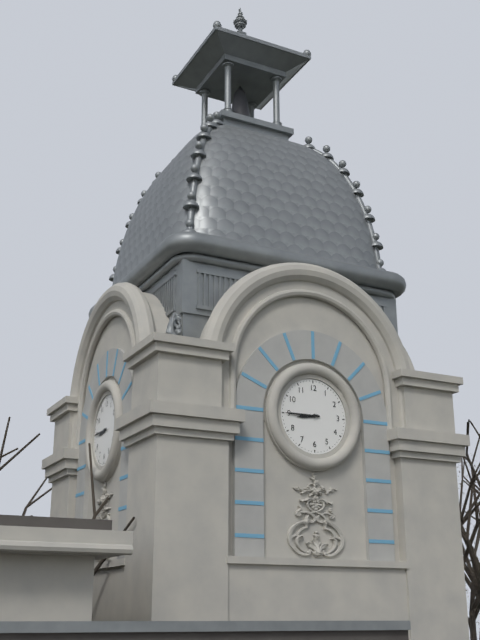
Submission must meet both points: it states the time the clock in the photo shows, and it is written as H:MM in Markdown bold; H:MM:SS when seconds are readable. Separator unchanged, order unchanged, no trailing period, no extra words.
**8:45**
